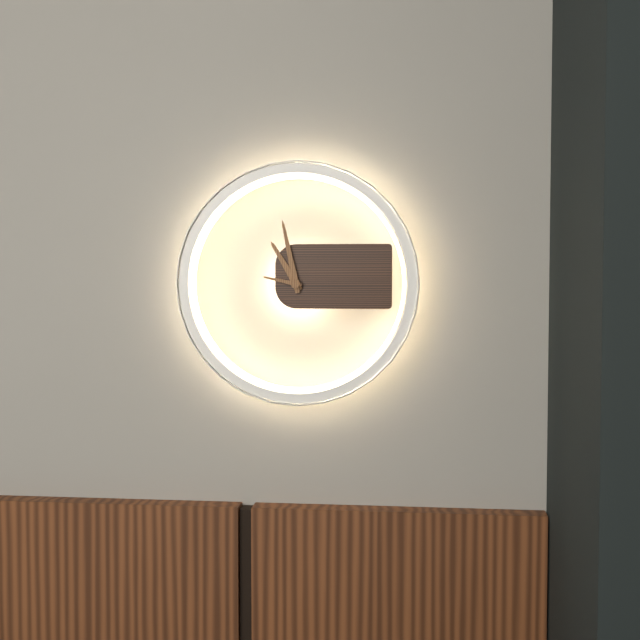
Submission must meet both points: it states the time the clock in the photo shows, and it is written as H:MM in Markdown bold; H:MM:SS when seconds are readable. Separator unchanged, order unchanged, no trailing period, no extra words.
**10:58:47**
